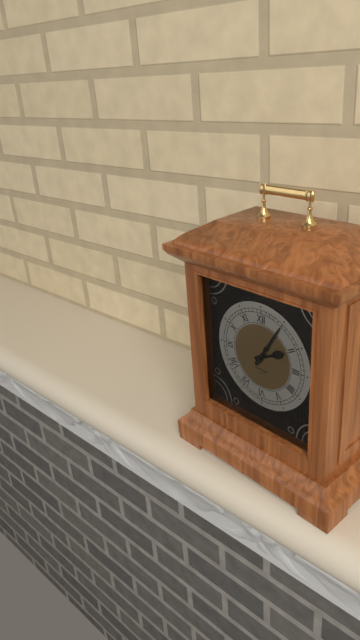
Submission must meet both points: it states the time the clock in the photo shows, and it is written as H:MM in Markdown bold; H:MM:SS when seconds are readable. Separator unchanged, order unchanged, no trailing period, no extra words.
**2:05**
